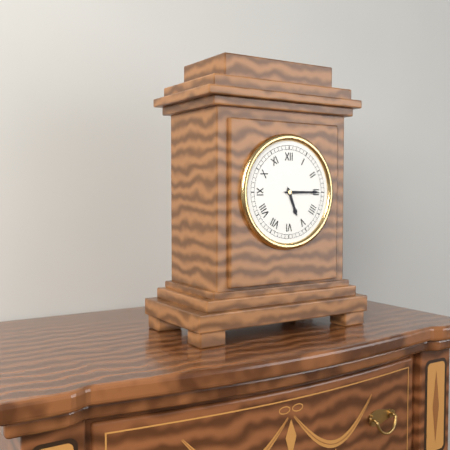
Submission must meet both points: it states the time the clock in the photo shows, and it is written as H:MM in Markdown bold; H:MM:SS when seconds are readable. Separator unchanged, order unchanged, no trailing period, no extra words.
**5:15**
